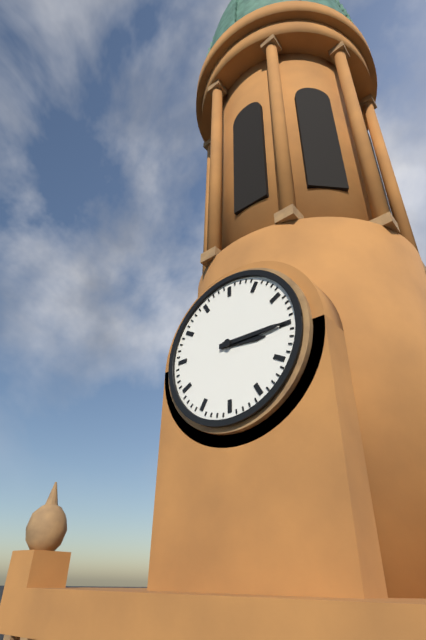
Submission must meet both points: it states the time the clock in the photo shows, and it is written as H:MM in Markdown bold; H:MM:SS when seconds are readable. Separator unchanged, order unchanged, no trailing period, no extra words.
**3:15**
